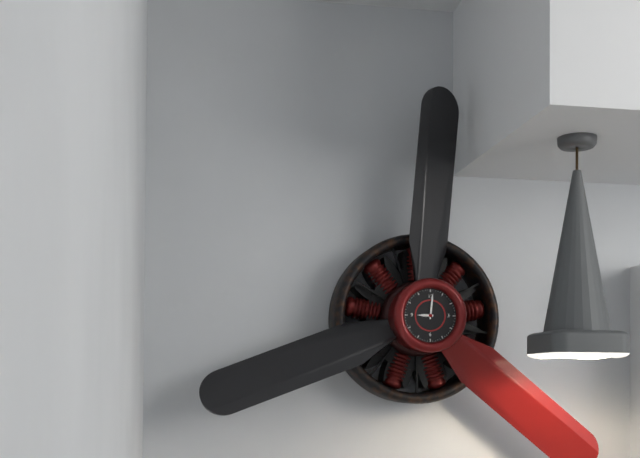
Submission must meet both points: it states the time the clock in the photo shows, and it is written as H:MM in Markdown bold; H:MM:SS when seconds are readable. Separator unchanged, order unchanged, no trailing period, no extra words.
**9:01**
